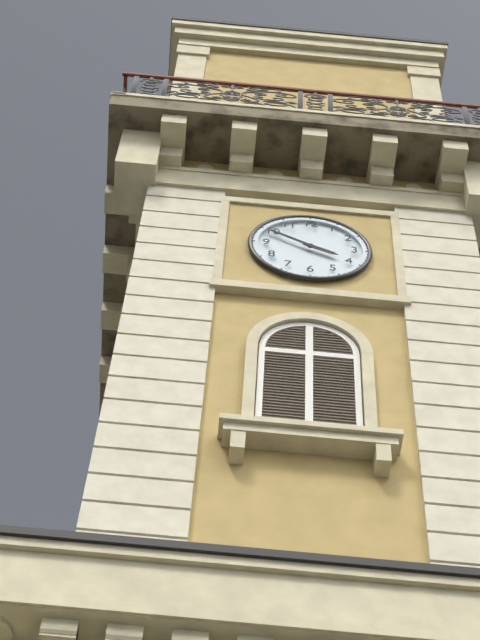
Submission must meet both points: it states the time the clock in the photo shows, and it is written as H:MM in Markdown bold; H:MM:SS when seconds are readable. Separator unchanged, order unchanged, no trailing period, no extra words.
**3:50**
